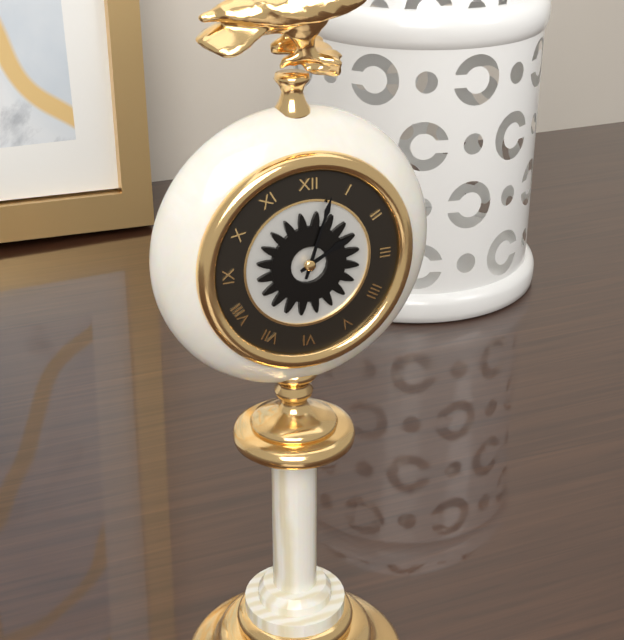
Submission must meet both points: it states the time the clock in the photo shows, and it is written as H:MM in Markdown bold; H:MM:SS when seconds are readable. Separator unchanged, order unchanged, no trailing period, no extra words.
**2:03**
